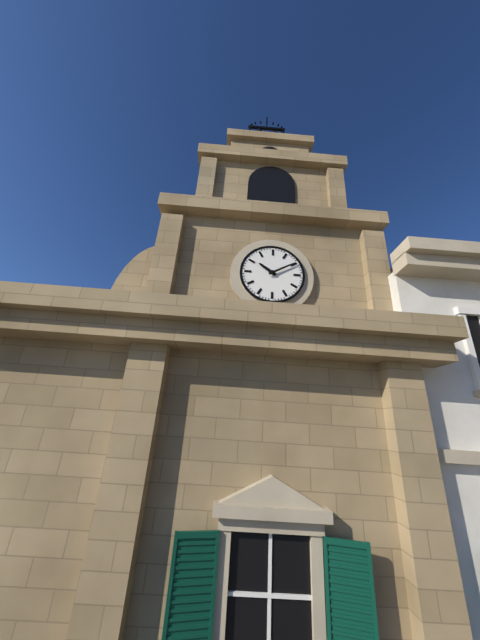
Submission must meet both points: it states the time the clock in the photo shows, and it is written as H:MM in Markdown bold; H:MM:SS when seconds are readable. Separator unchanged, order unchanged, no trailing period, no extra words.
**10:10**
